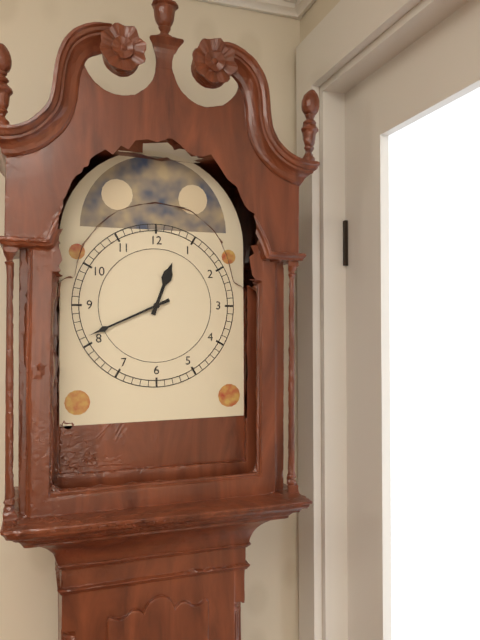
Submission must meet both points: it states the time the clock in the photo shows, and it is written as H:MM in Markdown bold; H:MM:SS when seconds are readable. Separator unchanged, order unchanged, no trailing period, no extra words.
**12:41**
